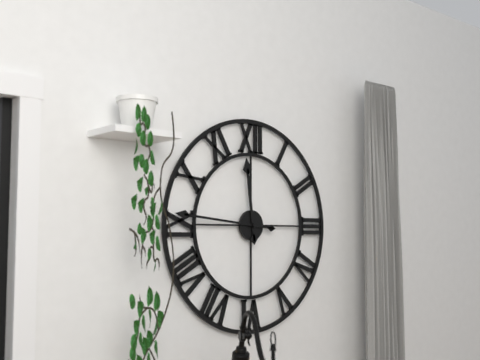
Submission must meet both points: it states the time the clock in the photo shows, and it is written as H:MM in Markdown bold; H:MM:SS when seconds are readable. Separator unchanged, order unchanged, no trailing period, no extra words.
**11:46**
